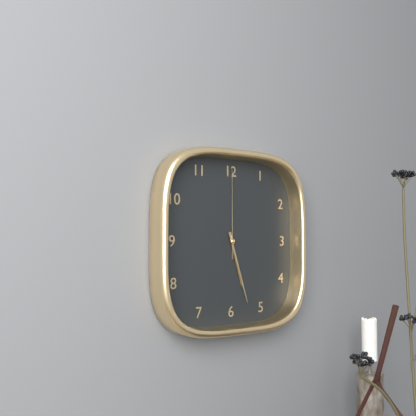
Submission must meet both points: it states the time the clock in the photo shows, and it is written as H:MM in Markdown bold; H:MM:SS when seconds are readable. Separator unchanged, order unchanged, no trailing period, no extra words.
**5:27:00**
